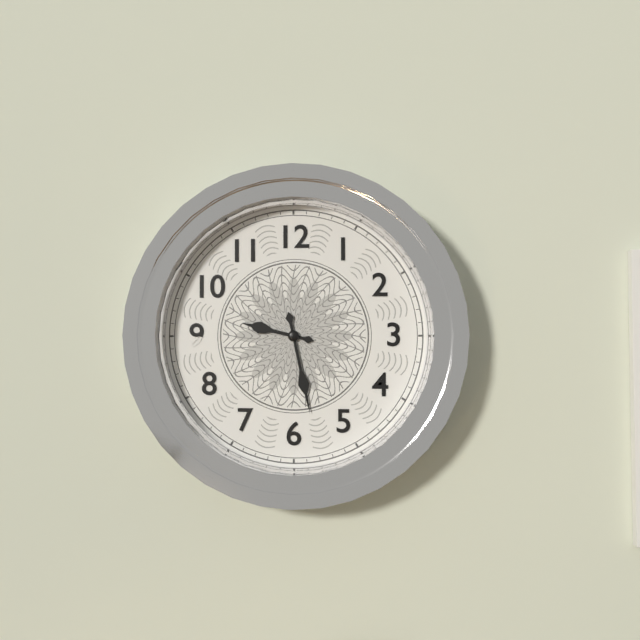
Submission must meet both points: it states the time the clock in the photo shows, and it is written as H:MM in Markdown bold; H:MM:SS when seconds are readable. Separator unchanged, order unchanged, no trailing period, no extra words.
**9:28**
